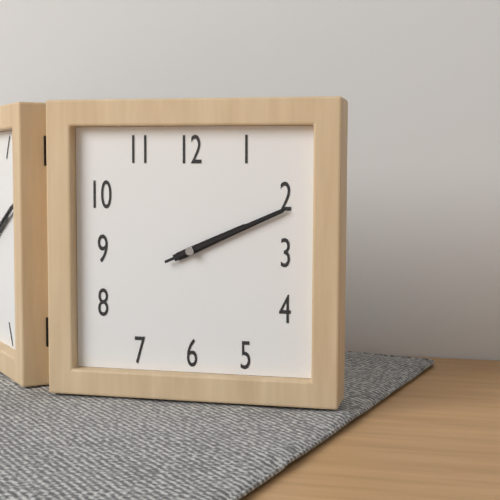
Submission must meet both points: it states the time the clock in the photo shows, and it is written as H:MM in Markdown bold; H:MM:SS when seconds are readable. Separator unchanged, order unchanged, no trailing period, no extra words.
**2:11:11**
